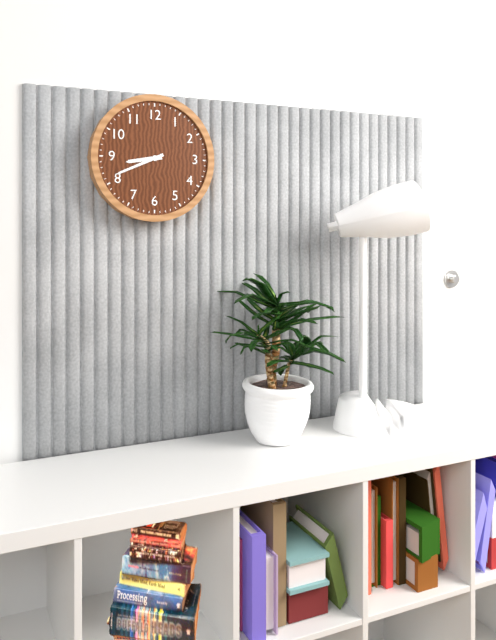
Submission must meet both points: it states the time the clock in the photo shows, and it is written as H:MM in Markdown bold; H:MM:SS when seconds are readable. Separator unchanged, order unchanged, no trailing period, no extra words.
**8:41**
